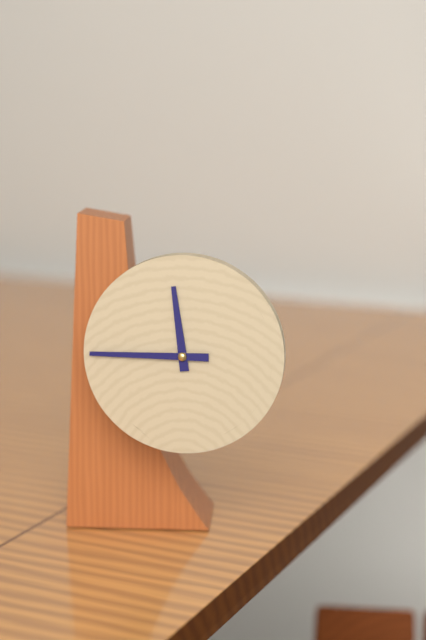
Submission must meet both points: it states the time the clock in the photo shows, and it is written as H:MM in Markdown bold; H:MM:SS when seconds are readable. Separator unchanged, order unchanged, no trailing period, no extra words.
**11:45**
